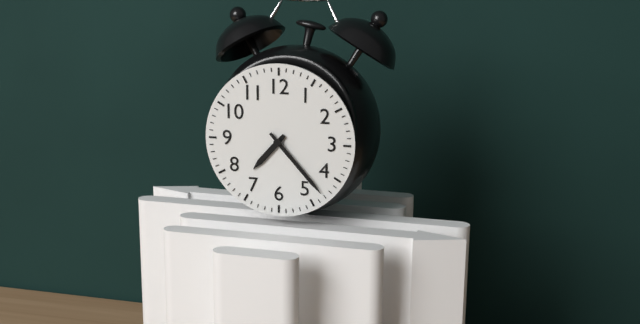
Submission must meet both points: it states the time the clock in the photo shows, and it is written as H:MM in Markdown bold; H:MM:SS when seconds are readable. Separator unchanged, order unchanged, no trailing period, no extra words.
**7:23**
